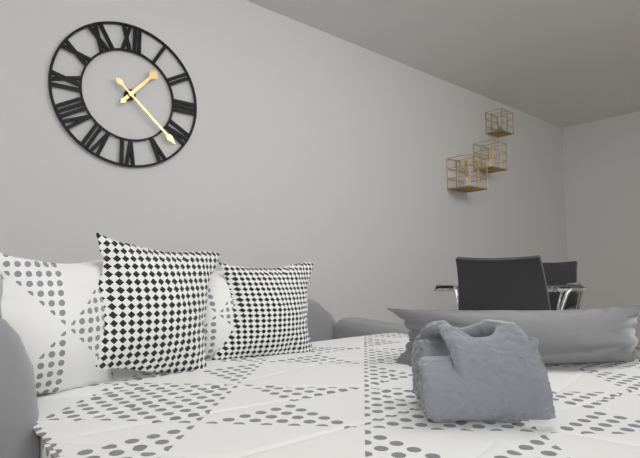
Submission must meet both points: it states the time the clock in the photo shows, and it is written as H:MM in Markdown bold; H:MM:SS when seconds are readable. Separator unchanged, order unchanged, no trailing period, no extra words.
**1:22**
